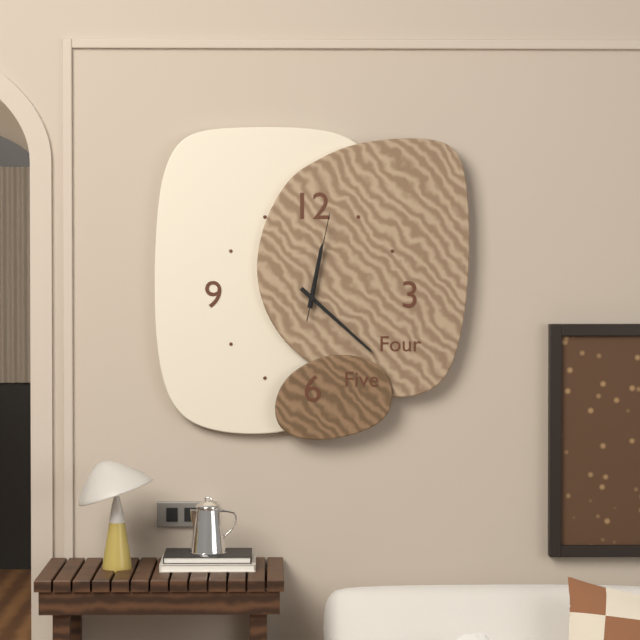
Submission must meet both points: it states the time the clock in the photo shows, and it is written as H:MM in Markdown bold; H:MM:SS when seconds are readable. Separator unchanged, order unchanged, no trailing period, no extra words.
**12:22:02**
